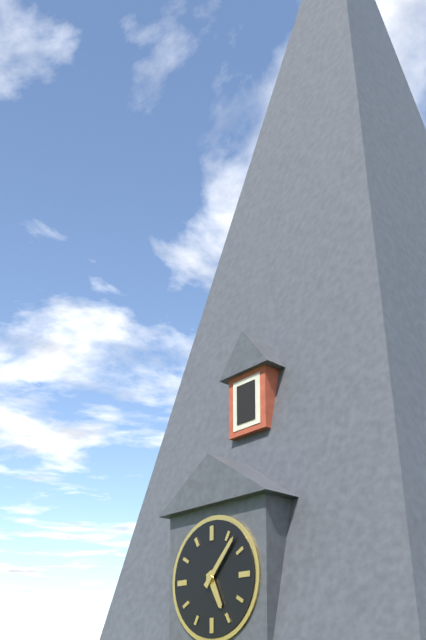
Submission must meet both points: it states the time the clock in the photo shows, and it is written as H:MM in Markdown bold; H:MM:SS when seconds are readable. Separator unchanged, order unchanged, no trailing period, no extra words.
**5:07**
